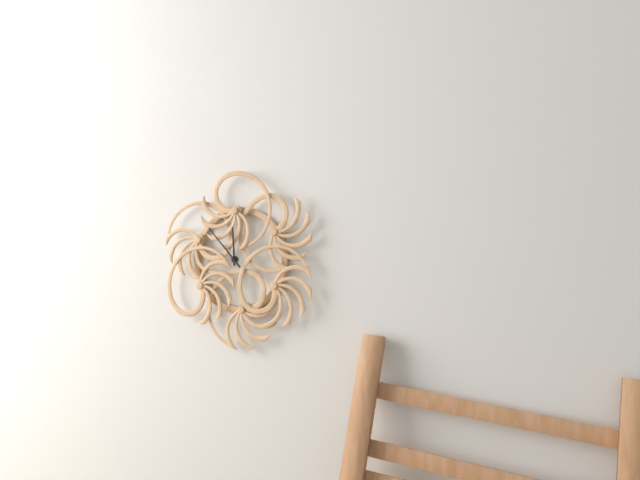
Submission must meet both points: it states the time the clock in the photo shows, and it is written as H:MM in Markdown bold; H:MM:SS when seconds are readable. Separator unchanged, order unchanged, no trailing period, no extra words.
**11:53**
